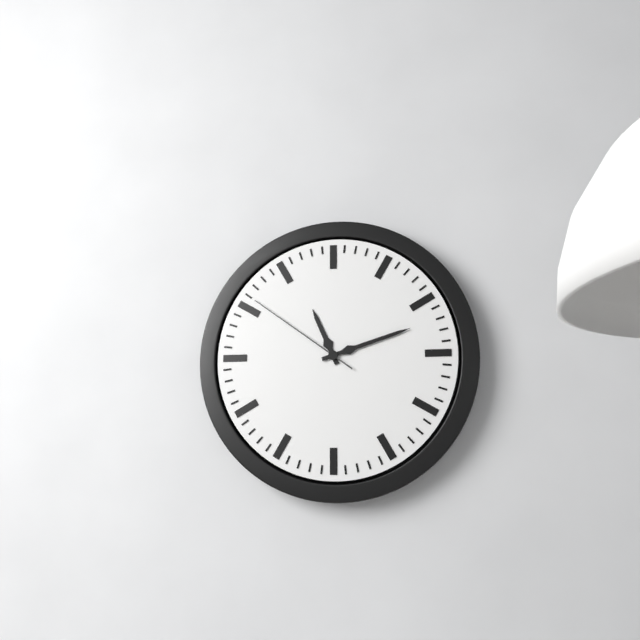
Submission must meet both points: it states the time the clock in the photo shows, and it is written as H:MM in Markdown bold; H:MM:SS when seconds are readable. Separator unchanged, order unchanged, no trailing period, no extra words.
**11:12:51**
